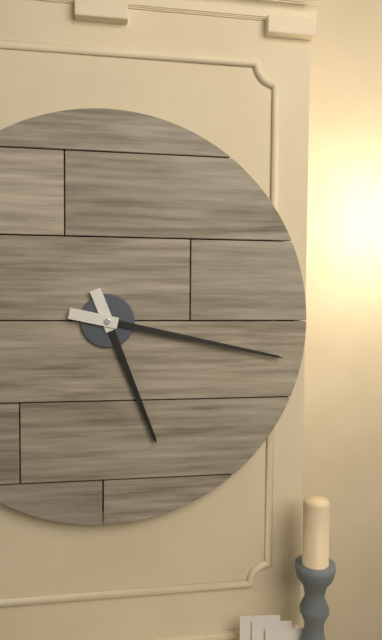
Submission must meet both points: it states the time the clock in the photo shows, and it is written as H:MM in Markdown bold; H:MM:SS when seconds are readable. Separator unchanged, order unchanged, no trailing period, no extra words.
**5:17**
